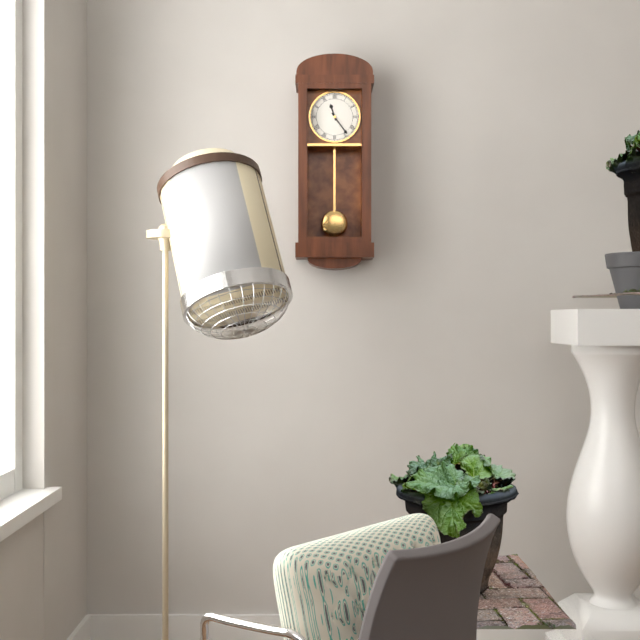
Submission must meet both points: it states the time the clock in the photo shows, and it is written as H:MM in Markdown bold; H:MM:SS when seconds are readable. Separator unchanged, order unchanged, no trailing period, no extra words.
**11:24**
